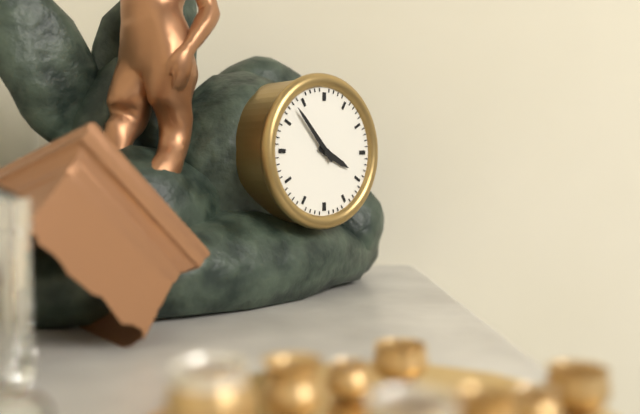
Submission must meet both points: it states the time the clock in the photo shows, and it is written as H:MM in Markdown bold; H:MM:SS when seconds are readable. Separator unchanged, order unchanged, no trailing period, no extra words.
**3:53**
